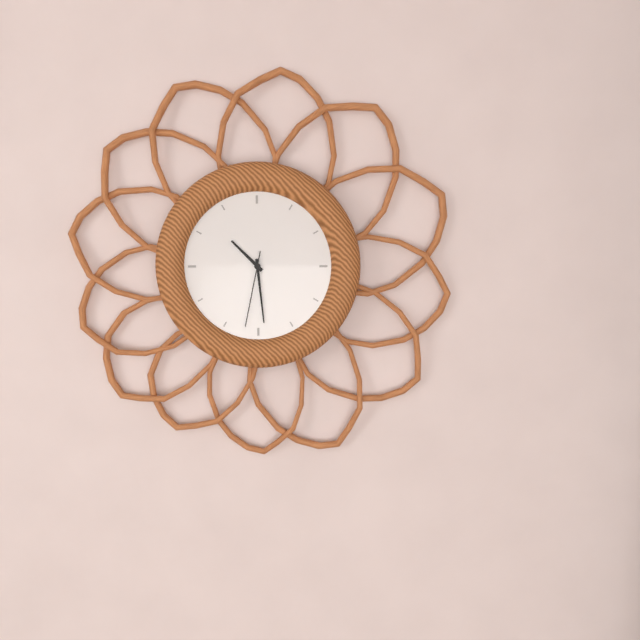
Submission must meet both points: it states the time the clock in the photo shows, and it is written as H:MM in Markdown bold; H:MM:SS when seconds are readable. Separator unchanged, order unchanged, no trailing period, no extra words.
**10:29:32**
